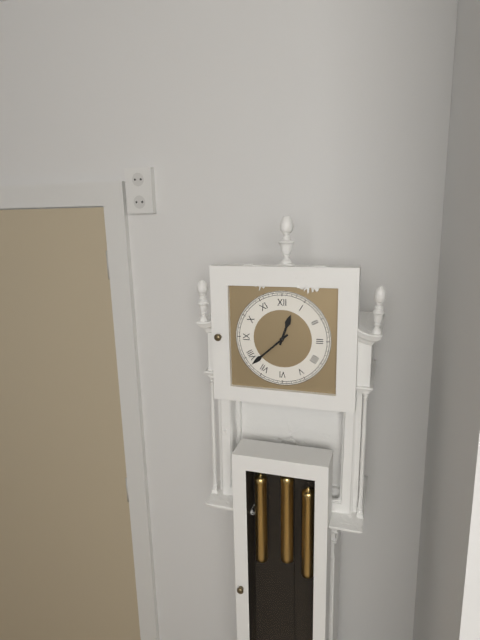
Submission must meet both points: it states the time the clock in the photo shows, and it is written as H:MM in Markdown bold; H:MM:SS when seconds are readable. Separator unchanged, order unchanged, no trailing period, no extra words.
**12:38**
